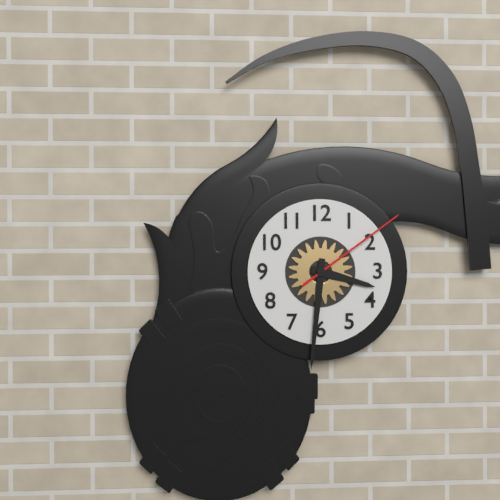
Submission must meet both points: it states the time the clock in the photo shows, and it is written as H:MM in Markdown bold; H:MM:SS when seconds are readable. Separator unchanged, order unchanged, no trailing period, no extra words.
**3:31:09**
